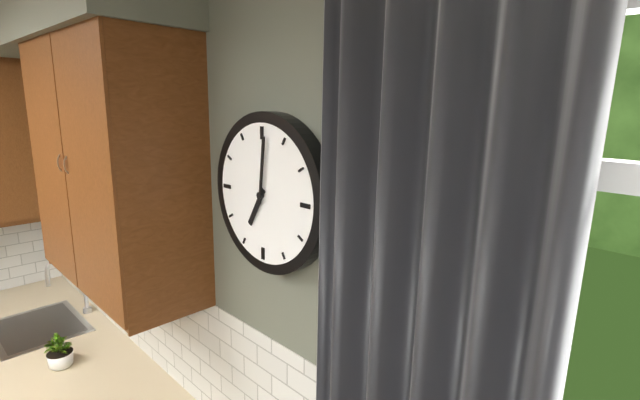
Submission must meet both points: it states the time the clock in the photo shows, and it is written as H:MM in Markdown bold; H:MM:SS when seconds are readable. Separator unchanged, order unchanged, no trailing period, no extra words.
**7:01**
